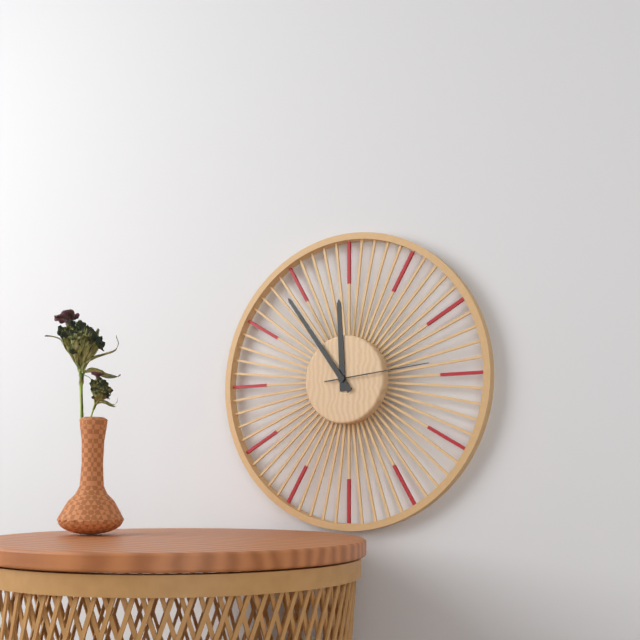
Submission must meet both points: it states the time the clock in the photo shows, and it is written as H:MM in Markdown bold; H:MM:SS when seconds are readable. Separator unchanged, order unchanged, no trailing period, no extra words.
**11:54:14**
